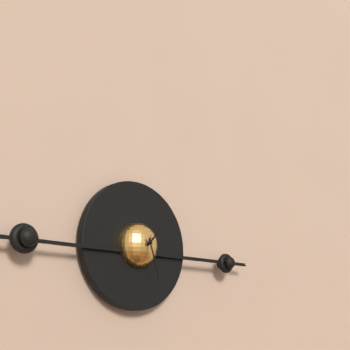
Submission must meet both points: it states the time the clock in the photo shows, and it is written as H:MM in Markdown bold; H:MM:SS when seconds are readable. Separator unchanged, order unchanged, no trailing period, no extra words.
**1:27**
